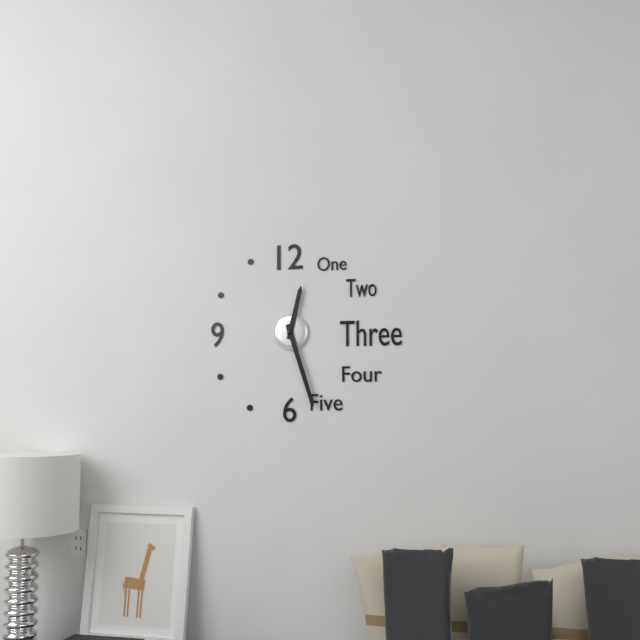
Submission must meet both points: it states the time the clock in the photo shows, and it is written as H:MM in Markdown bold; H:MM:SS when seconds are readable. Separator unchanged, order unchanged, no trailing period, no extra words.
**12:27**
